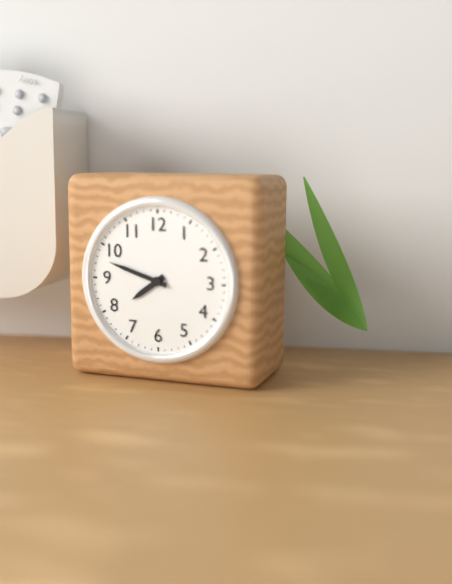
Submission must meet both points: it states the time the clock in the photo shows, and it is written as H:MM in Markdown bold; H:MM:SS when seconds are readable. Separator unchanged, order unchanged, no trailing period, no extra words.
**7:48**
